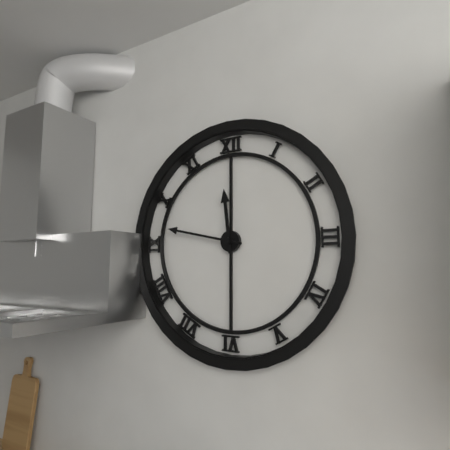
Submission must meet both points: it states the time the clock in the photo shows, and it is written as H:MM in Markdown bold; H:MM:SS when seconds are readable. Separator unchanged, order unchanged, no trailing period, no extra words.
**11:47**
